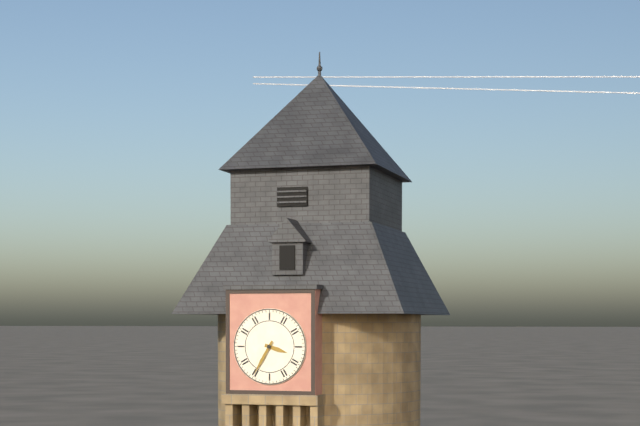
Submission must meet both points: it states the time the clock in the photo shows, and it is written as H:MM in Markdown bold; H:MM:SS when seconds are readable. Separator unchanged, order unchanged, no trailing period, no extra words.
**3:35**
